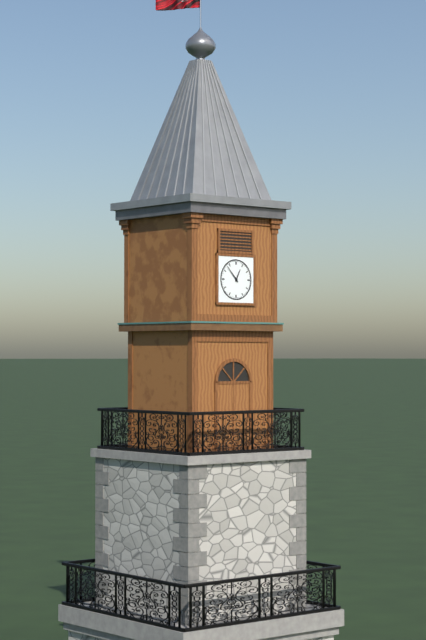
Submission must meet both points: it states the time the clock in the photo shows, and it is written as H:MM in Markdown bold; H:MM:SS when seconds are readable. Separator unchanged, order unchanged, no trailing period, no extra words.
**12:53**
